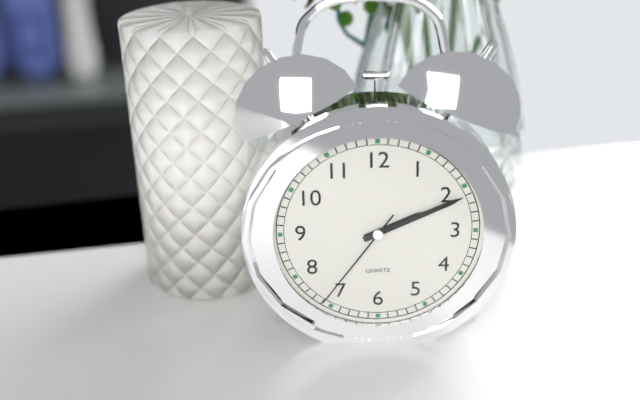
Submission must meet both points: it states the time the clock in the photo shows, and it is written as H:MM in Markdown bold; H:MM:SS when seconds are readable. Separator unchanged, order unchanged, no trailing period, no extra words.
**2:11:36**
